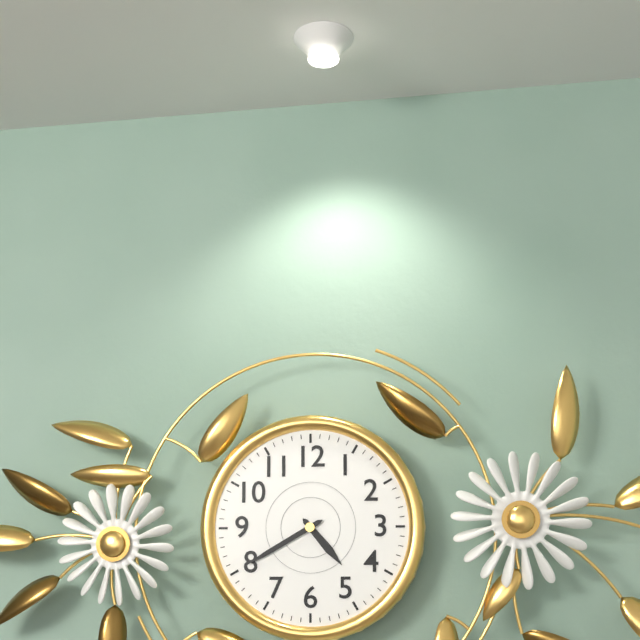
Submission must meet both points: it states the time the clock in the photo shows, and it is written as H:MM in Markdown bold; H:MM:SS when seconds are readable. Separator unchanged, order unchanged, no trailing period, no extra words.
**4:40**
